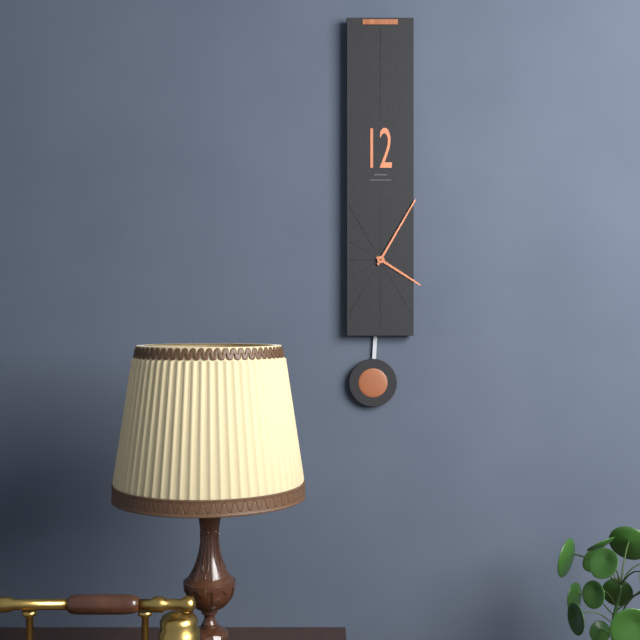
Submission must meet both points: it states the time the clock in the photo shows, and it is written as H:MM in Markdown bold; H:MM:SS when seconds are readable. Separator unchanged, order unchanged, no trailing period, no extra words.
**4:05**
